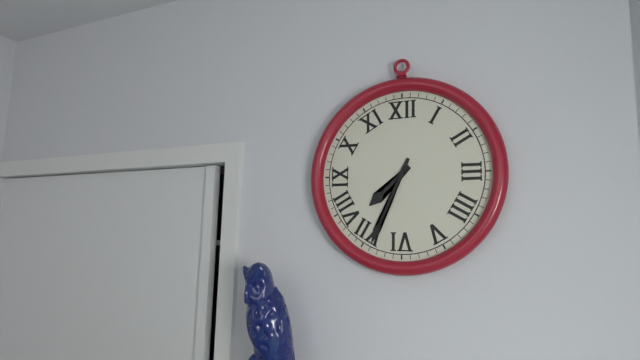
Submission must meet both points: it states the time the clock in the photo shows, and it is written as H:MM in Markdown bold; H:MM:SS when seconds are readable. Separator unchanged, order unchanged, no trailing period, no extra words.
**7:34**
